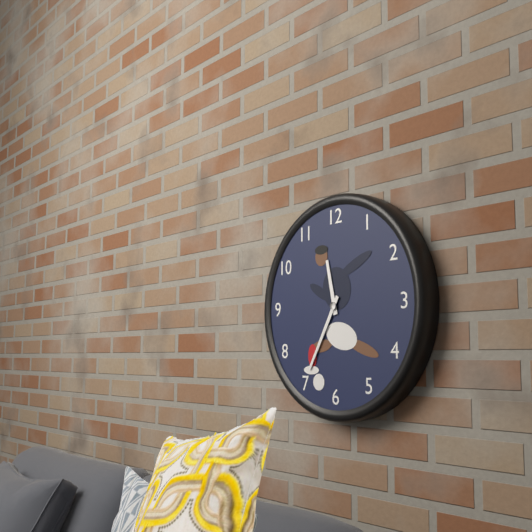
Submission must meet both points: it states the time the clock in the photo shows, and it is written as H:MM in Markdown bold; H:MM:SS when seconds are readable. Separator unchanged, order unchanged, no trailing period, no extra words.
**11:35**
